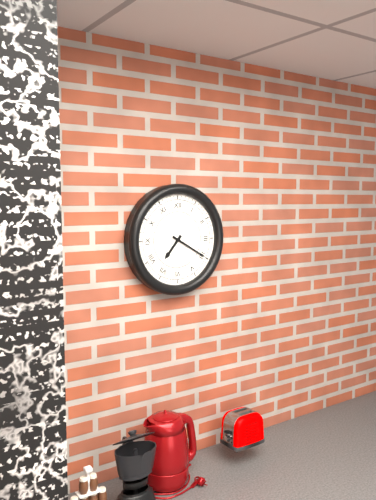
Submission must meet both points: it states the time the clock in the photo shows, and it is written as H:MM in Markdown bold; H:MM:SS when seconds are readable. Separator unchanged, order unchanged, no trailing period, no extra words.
**7:20**
